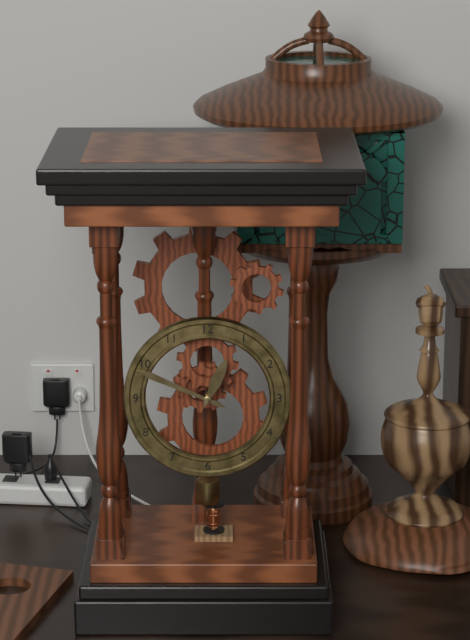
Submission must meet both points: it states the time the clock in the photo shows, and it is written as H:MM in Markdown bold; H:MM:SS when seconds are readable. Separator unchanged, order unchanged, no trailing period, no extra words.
**12:49**
